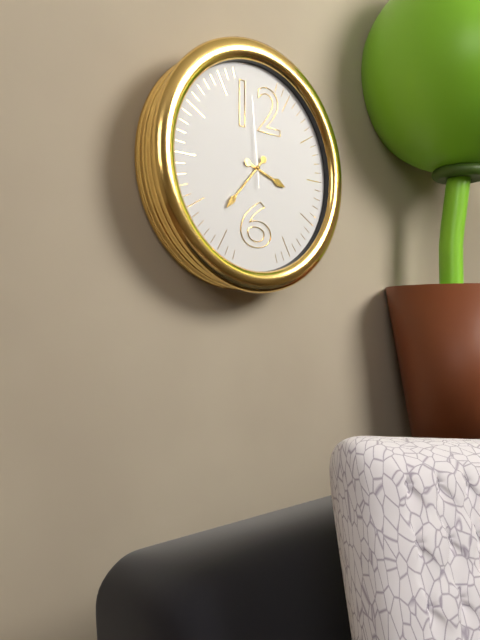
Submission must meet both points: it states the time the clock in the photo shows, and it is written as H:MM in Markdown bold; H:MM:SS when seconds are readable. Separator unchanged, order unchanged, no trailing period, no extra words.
**3:37:59**
